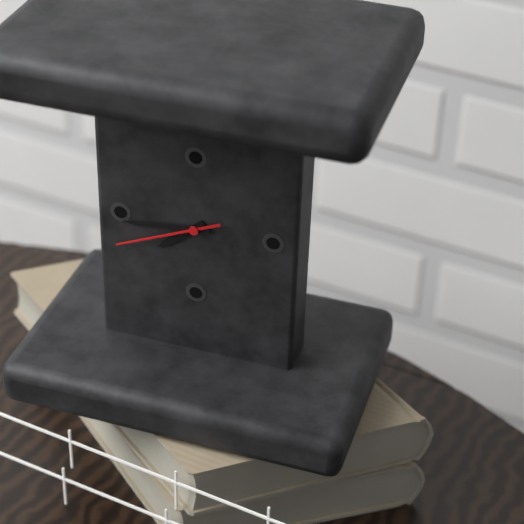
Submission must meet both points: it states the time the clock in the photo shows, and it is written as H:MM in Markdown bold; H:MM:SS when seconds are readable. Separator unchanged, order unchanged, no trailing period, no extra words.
**7:44:41**
